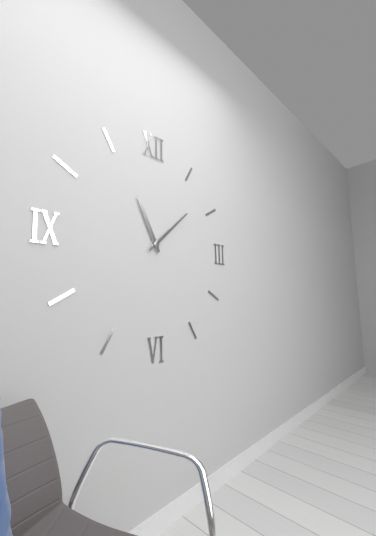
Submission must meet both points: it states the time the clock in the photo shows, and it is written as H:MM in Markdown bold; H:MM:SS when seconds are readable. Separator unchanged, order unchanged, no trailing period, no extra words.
**11:08**
